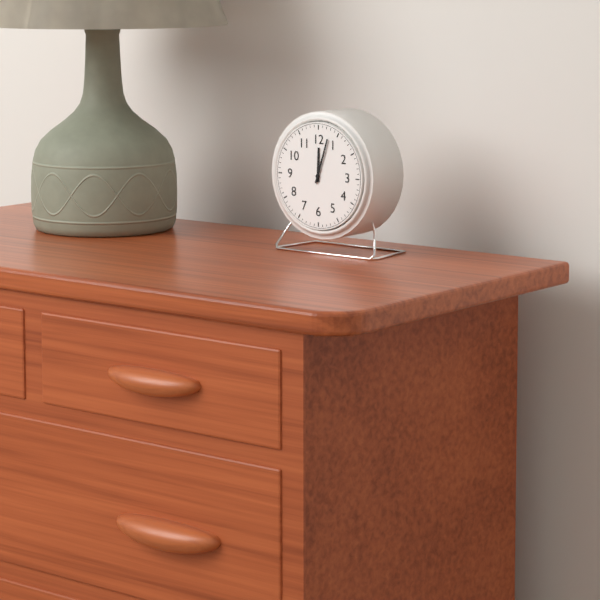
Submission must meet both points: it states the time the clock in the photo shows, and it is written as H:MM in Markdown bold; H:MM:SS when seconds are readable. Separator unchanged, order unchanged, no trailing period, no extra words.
**12:03**
